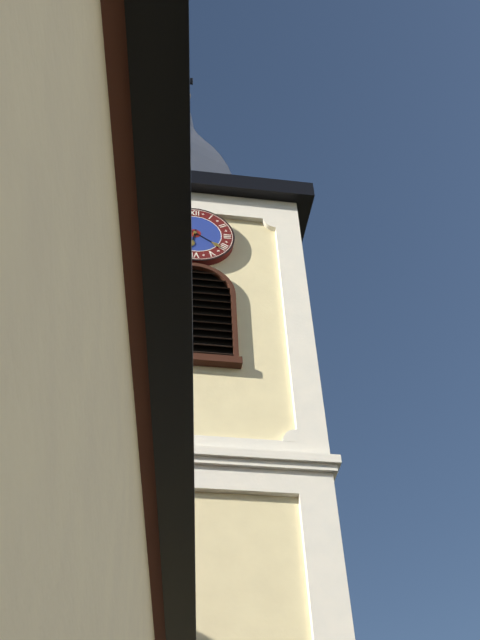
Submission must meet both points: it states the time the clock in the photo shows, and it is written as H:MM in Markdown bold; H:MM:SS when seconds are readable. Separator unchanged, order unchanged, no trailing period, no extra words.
**6:21**
